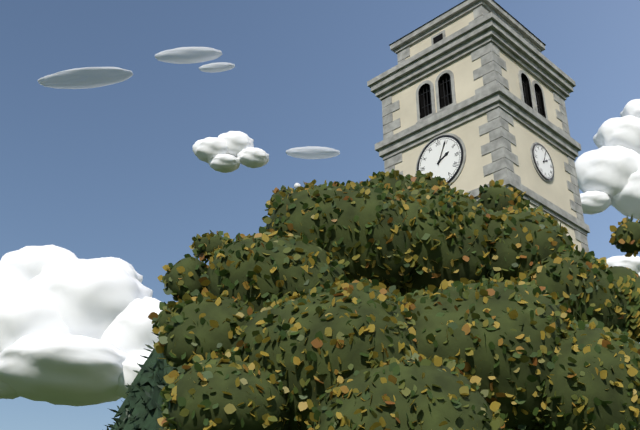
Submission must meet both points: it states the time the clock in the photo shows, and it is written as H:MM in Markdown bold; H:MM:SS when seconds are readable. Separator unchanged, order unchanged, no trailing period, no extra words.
**2:04**
